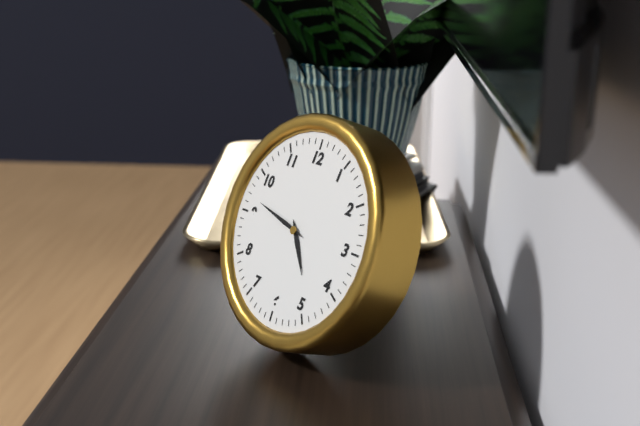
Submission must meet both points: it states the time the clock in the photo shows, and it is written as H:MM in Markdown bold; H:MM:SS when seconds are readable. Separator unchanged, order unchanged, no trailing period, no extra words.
**4:47**
